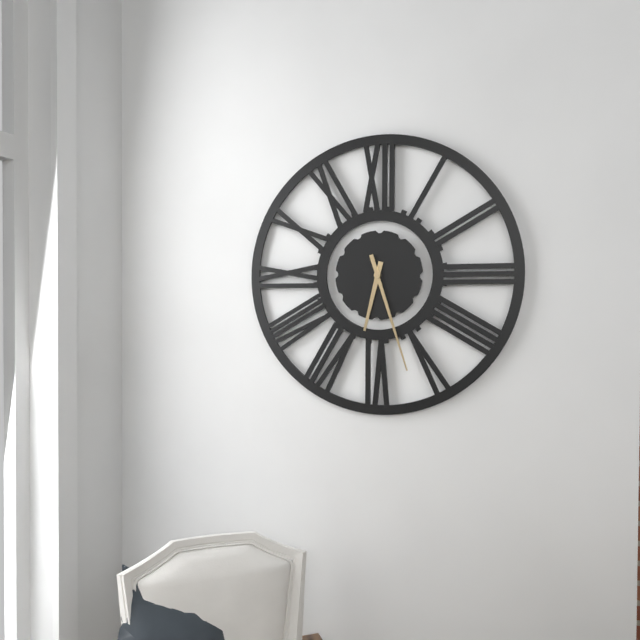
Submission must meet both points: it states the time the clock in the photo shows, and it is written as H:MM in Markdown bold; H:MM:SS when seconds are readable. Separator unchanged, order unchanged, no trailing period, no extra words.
**6:27**
